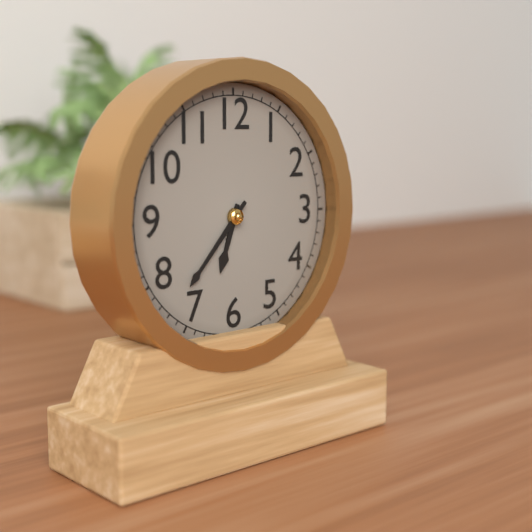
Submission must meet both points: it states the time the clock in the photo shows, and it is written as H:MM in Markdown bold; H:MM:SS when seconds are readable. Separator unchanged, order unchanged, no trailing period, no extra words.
**6:37**
